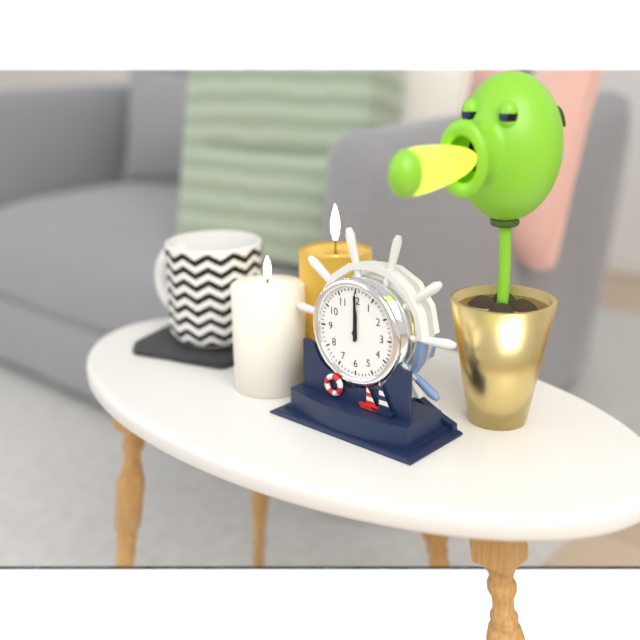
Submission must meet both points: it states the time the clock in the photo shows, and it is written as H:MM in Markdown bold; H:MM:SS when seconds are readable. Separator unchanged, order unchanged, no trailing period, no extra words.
**12:00**
